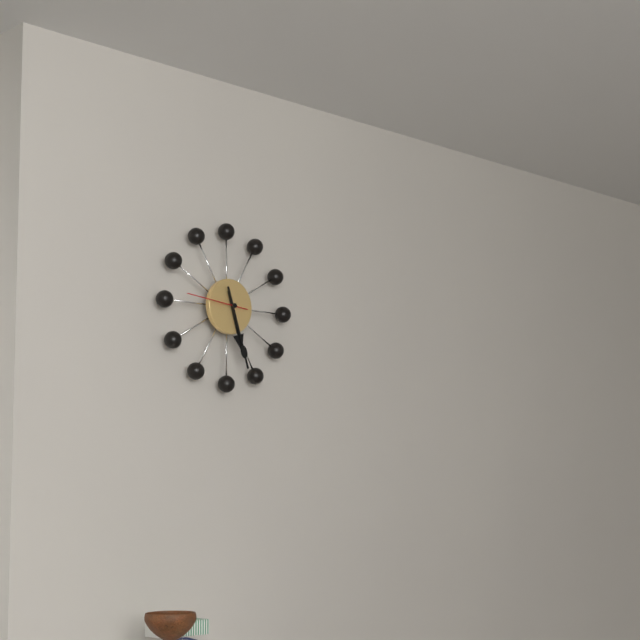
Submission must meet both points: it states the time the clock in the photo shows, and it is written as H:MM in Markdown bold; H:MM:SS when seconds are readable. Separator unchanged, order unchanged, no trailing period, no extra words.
**5:27:46**
